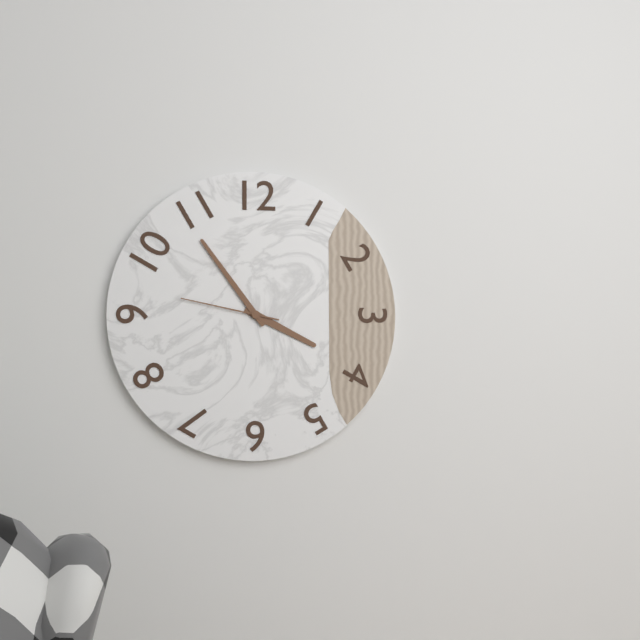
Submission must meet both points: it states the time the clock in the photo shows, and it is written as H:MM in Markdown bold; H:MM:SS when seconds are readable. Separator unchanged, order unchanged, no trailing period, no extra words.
**3:54:47**
